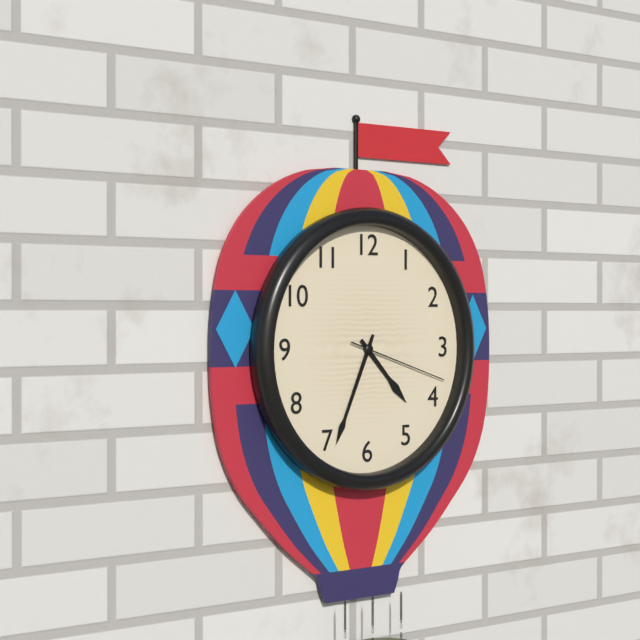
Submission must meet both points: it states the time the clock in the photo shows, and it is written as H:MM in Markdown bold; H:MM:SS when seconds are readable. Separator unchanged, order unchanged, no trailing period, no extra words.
**4:34:18**
